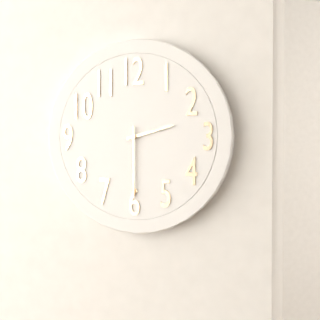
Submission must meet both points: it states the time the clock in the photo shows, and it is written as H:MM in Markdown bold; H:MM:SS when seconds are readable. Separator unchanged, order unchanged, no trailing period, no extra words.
**2:30**
